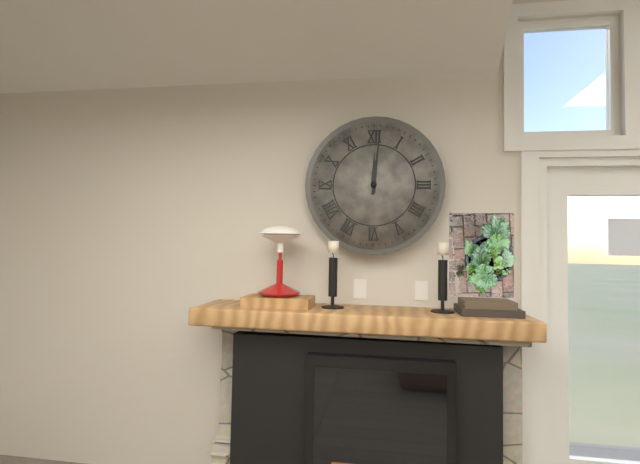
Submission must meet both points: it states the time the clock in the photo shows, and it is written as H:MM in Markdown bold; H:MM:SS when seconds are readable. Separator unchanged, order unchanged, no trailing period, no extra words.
**12:01**
